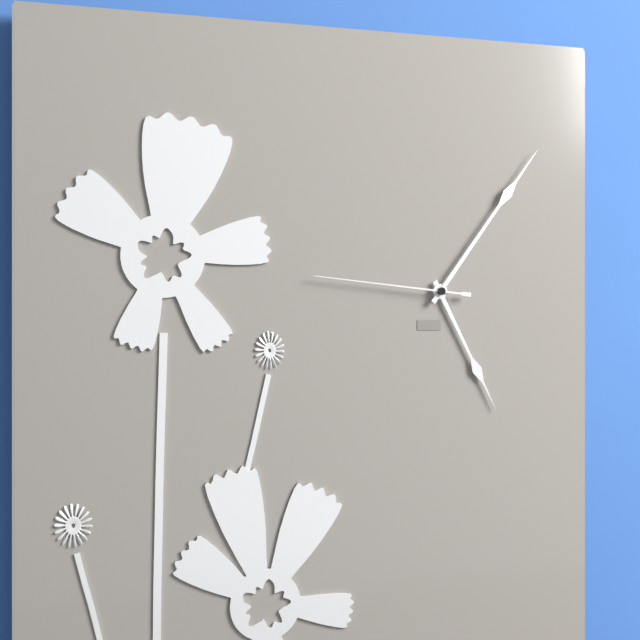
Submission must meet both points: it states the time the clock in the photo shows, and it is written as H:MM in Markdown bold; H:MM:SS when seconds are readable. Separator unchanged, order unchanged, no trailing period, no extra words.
**5:06:46**
